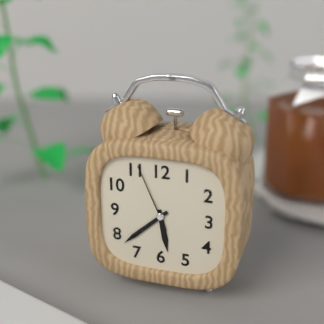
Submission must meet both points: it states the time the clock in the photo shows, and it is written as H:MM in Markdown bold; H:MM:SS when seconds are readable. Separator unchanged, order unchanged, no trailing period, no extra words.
**5:38:56**
